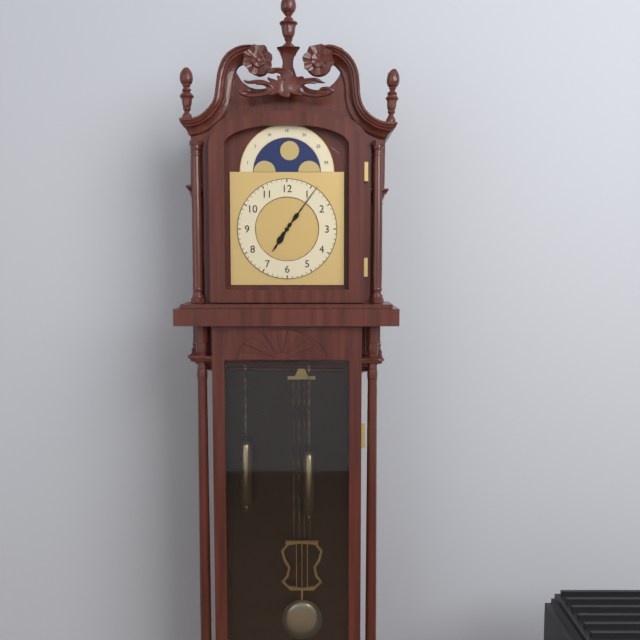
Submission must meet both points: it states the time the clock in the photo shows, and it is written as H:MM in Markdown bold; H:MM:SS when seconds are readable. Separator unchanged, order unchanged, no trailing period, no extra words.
**7:06**
